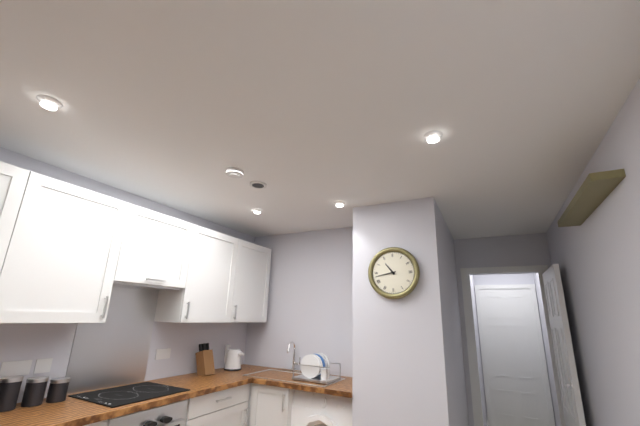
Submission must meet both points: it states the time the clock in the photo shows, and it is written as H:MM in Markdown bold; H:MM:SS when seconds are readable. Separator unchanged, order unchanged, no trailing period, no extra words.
**10:43**
